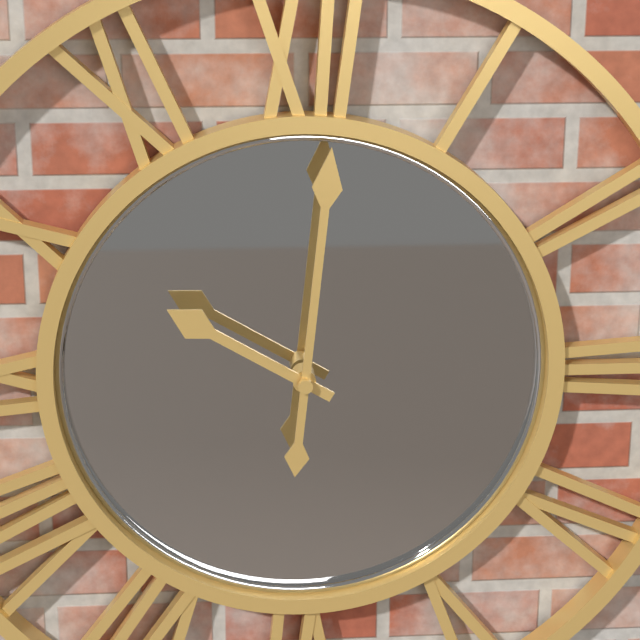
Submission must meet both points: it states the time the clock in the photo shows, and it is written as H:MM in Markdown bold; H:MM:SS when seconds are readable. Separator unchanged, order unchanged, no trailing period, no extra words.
**10:01**
